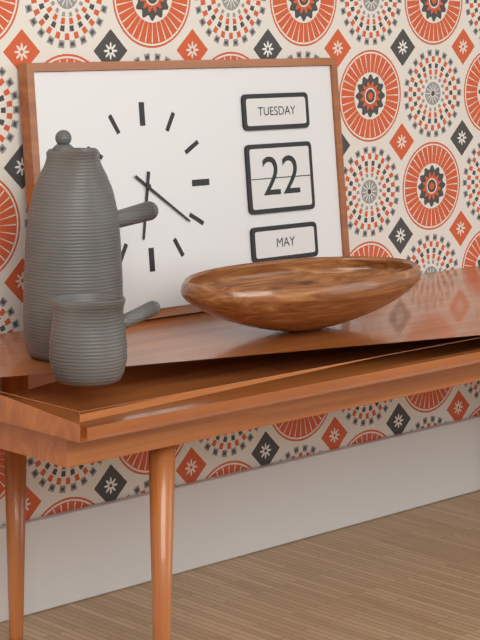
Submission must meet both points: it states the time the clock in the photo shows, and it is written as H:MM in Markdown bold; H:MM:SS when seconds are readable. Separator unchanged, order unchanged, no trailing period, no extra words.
**6:21**
